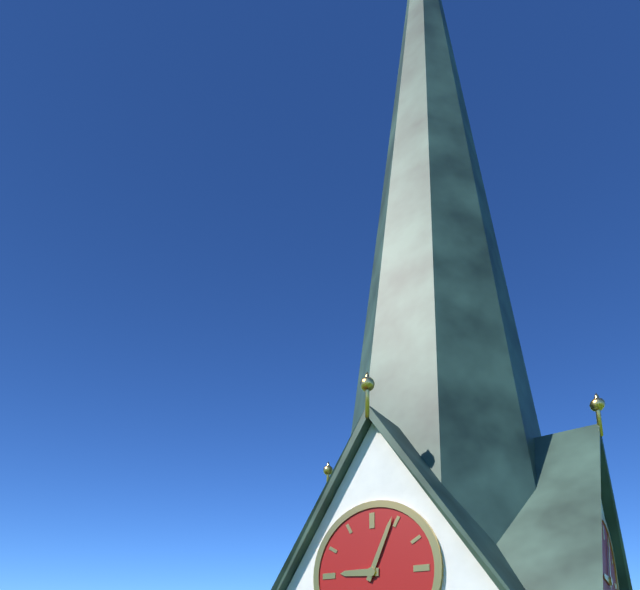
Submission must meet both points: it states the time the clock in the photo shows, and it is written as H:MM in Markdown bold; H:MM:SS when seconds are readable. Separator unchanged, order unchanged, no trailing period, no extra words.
**9:04**
